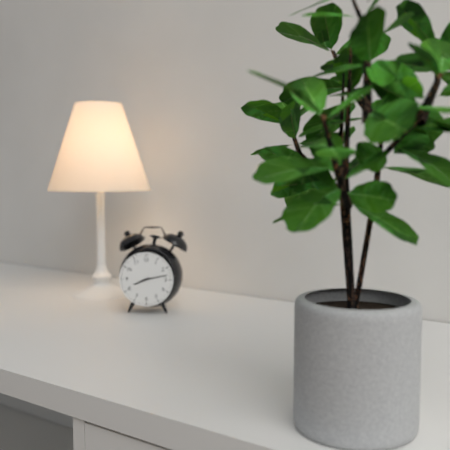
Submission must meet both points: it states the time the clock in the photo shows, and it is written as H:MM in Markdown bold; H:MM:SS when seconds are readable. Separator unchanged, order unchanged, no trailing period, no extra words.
**8:13**
